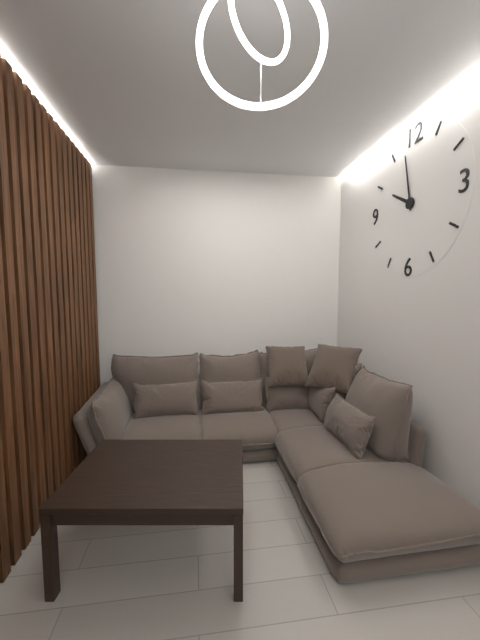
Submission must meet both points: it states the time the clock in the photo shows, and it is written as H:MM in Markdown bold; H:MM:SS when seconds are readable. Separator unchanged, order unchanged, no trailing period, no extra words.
**9:58**
